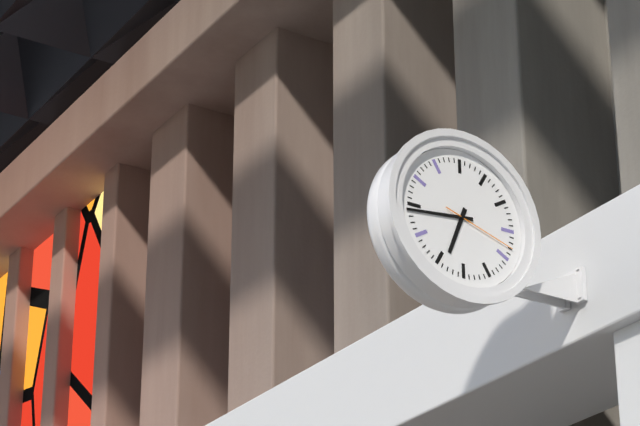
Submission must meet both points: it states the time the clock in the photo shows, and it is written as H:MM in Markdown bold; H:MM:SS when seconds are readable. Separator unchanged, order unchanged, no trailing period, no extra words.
**6:44:18**
